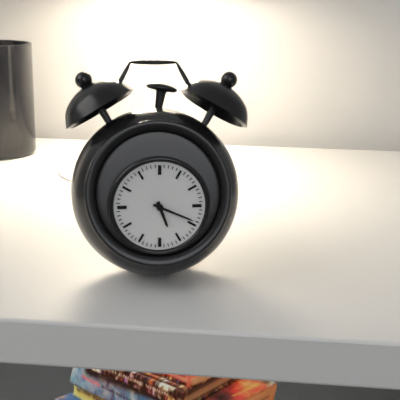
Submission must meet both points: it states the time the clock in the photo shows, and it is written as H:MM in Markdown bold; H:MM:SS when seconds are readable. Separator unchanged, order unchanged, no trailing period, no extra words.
**5:19**
